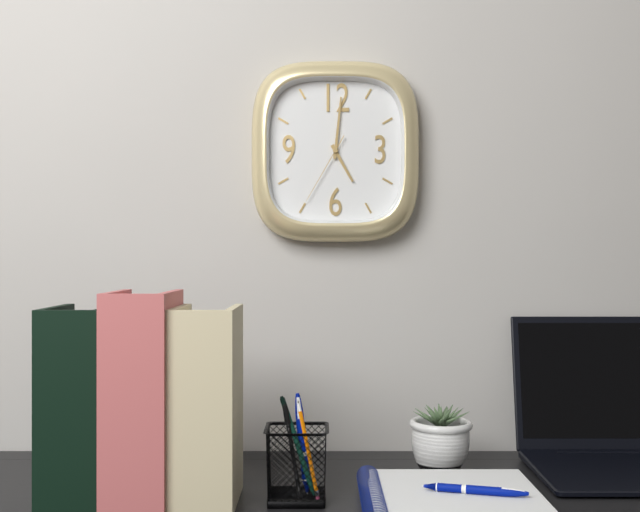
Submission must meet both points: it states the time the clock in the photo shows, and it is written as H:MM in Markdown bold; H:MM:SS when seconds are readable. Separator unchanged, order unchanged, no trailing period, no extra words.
**5:01:35**
